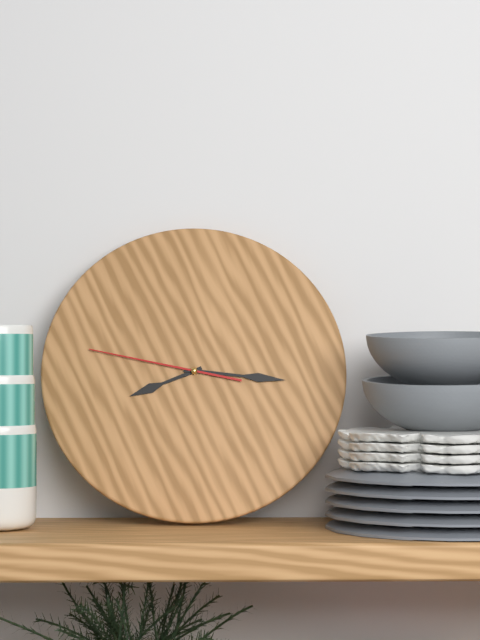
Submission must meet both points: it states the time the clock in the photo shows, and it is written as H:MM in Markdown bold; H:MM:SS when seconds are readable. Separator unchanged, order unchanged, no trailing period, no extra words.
**8:16:47**
